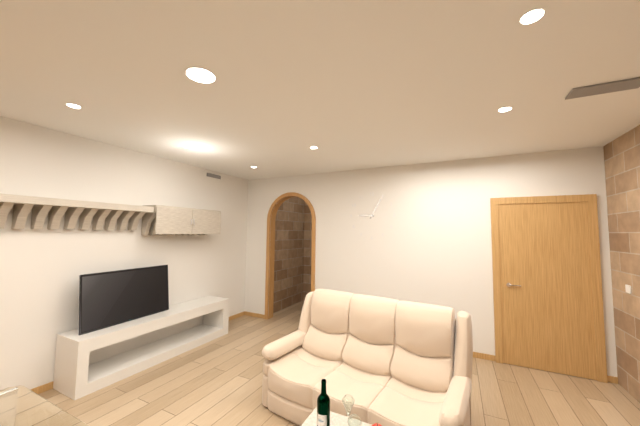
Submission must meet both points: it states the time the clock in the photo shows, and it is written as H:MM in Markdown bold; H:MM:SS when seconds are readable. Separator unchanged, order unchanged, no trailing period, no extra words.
**9:05**
